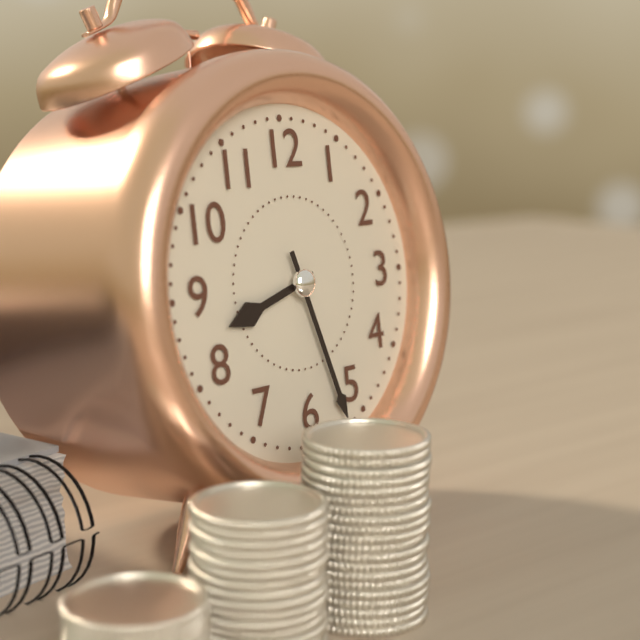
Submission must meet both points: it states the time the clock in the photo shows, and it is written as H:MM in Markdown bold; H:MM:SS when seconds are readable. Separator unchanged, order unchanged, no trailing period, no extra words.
**8:27**
